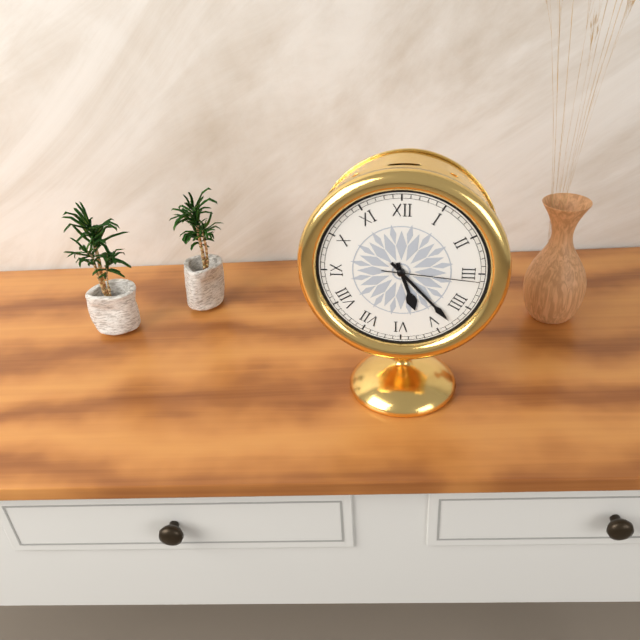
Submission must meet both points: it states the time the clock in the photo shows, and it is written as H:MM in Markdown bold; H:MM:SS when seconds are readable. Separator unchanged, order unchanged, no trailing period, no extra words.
**5:23:16**
